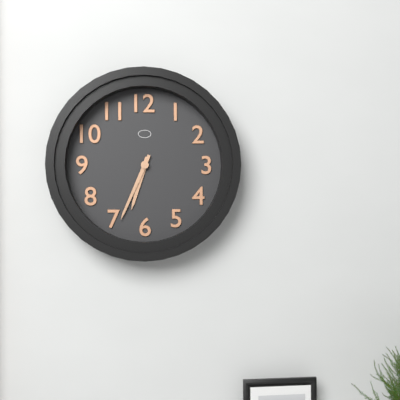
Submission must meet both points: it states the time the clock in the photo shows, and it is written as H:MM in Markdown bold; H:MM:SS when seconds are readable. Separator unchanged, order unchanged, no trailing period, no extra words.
**6:34**
